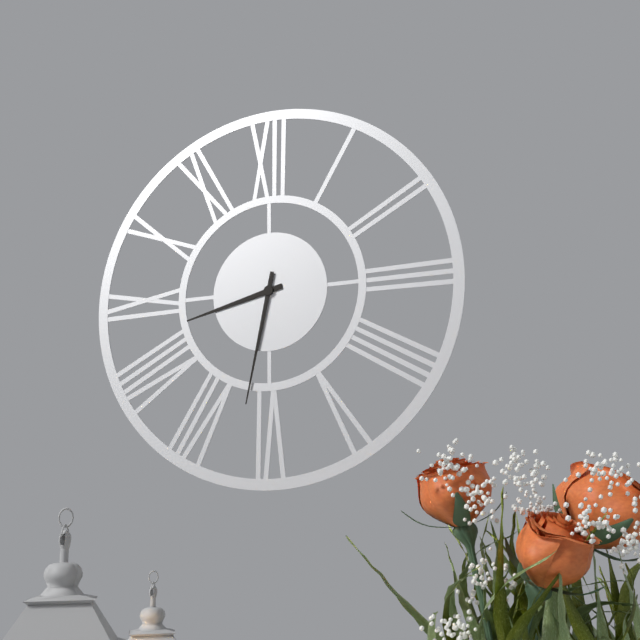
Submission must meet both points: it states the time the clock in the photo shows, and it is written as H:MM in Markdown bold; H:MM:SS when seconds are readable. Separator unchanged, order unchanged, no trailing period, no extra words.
**8:32**
